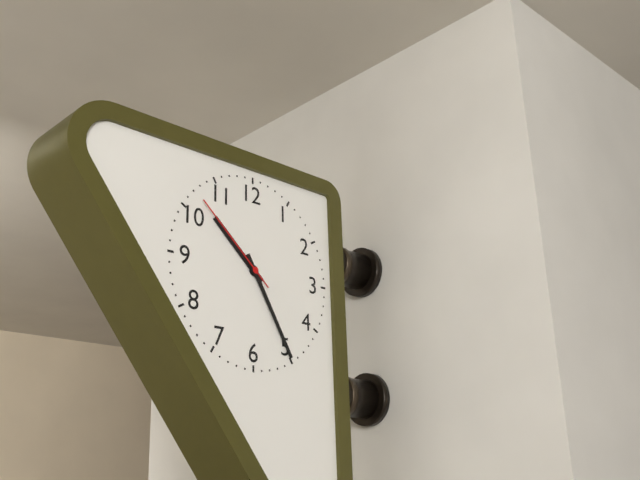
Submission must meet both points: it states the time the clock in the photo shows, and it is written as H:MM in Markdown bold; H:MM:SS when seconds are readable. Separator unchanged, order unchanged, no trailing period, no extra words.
**10:25:52**
